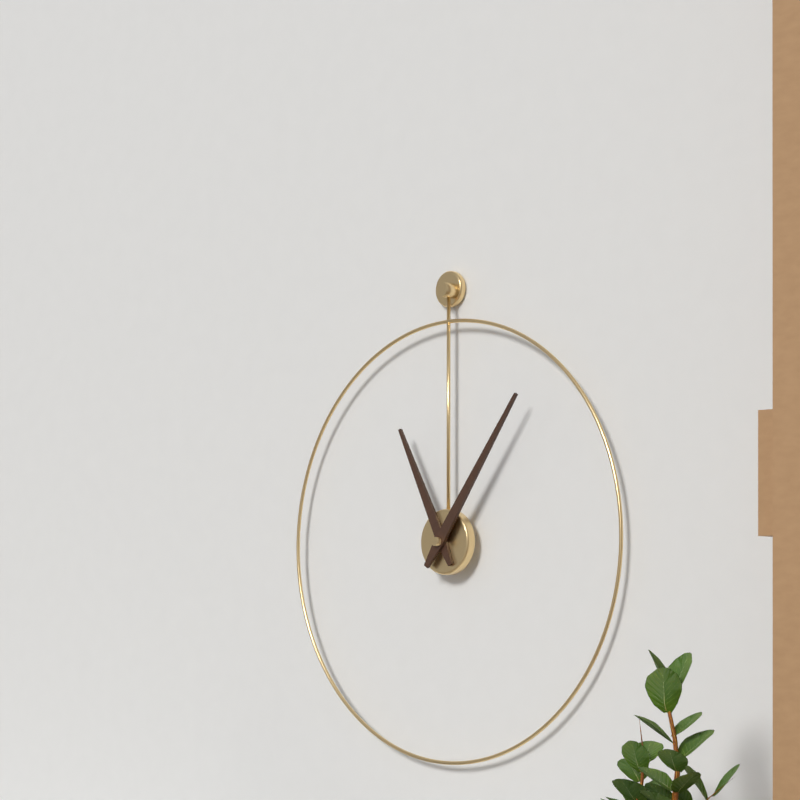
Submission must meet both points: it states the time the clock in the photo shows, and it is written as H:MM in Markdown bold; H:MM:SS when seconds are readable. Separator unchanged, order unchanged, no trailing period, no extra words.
**11:06**
